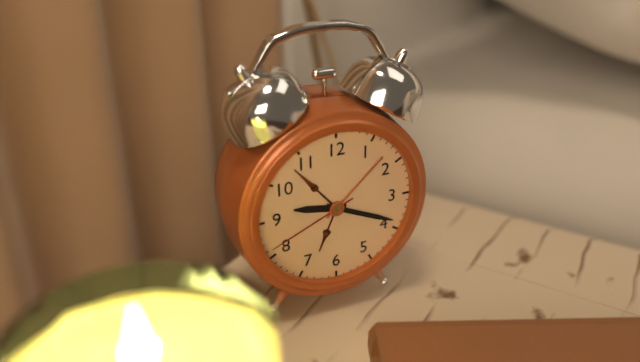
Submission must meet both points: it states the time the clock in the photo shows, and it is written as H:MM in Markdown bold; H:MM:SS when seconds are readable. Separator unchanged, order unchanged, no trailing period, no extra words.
**9:19:41**
